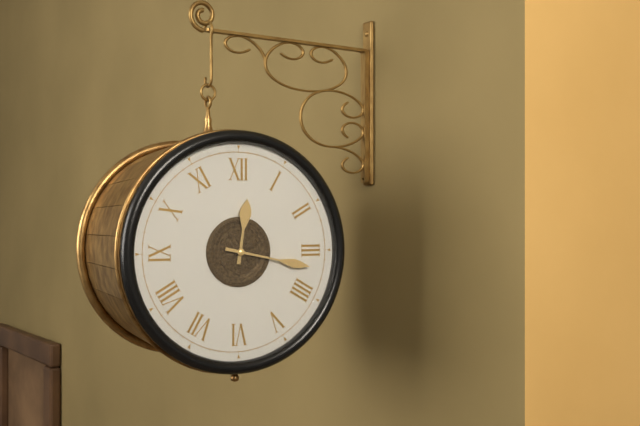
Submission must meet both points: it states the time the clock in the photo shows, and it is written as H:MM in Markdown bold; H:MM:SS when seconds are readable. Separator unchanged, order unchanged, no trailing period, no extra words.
**12:17**
